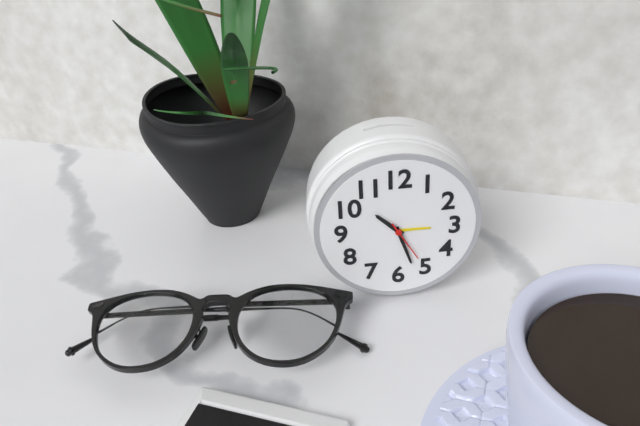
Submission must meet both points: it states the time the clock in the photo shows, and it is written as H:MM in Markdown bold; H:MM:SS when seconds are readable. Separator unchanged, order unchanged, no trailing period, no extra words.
**10:27**
